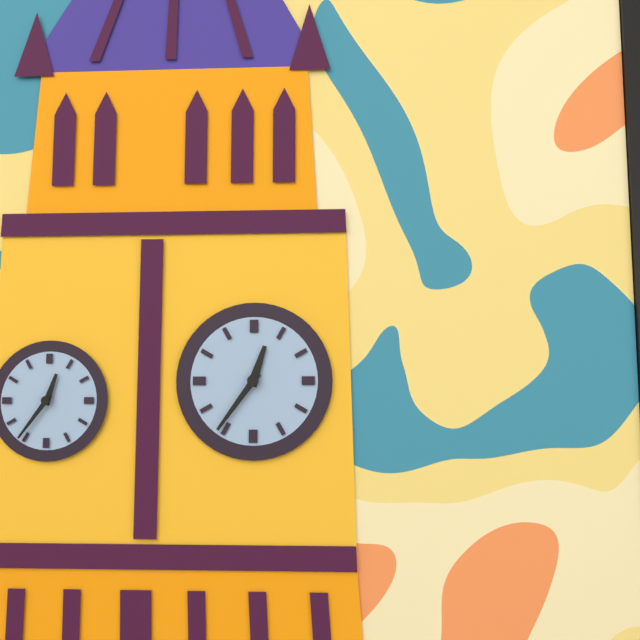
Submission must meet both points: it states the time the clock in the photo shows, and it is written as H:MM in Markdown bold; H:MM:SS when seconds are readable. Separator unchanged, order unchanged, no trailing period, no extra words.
**12:36**
